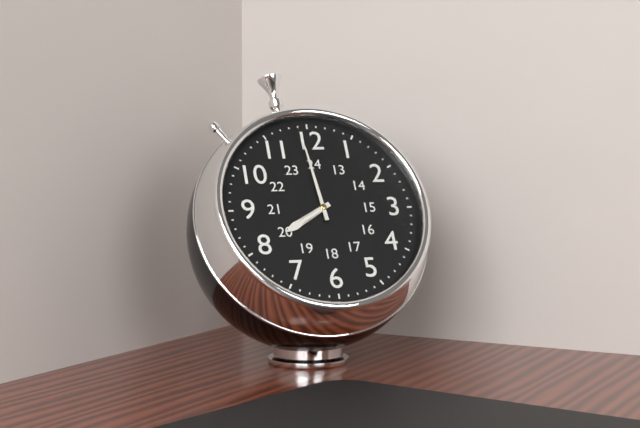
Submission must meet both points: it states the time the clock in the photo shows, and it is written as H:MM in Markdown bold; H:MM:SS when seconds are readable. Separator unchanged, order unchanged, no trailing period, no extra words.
**7:59**
